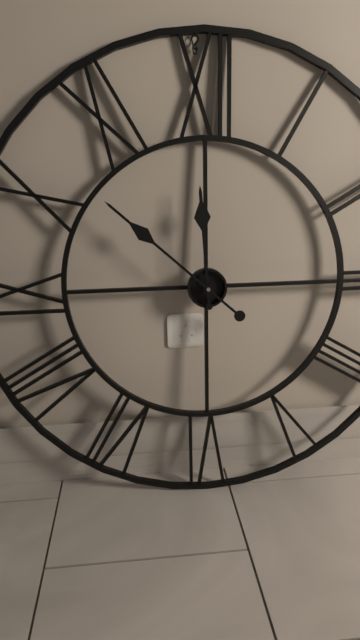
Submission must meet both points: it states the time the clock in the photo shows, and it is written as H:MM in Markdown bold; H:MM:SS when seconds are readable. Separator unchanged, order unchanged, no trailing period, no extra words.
**11:52**
